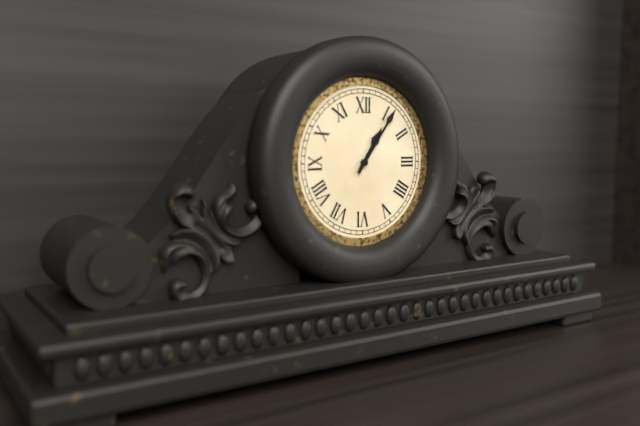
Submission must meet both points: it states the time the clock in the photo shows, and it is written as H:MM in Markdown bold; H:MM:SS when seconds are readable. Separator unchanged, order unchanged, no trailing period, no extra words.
**1:06**
